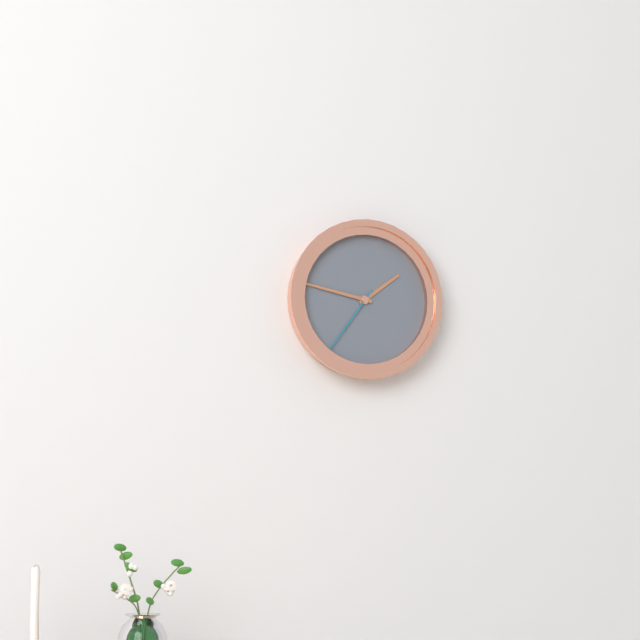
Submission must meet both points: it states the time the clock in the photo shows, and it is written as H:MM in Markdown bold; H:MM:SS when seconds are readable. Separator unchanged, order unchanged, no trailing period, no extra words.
**1:47:36**
